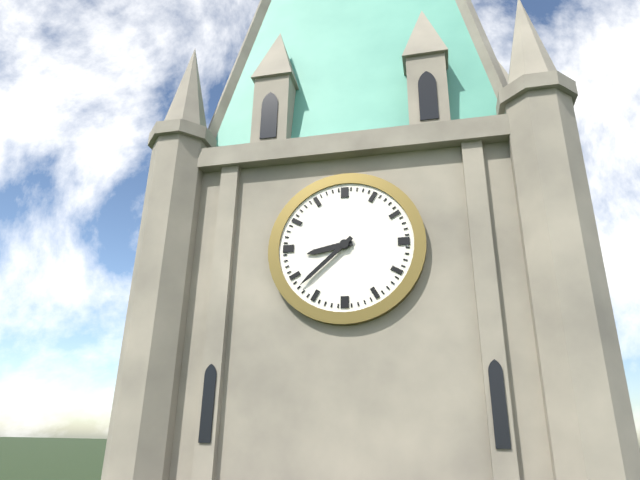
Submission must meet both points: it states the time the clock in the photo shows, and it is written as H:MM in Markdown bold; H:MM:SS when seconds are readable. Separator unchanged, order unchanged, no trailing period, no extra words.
**8:38**
